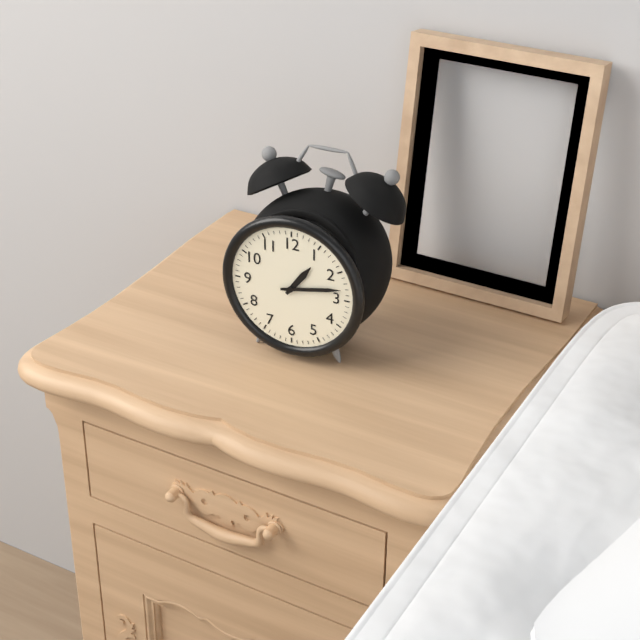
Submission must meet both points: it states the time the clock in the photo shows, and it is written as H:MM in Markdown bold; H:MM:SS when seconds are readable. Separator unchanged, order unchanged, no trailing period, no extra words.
**1:13**
